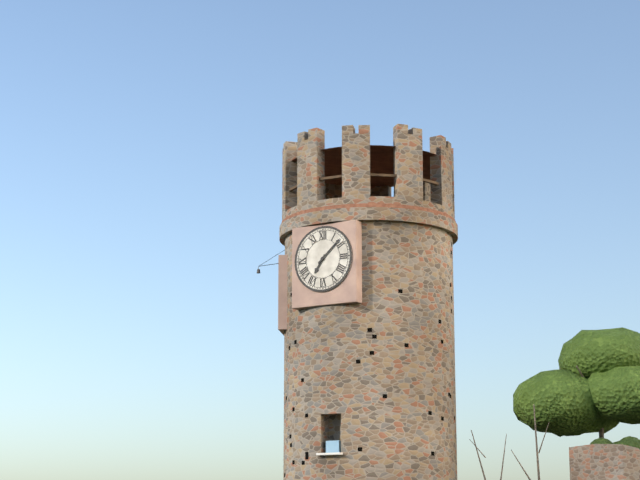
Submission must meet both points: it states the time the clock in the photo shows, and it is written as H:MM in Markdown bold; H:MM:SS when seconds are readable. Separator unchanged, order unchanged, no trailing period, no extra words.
**7:08**
